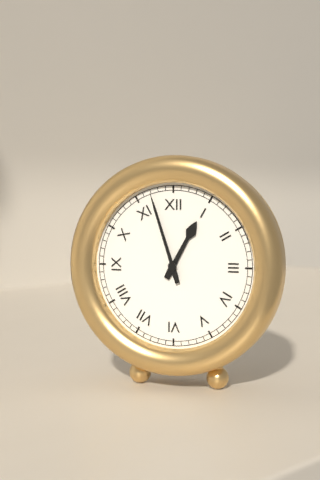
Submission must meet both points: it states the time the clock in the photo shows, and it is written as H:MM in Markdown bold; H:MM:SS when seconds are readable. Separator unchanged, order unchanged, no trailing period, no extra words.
**12:57**
